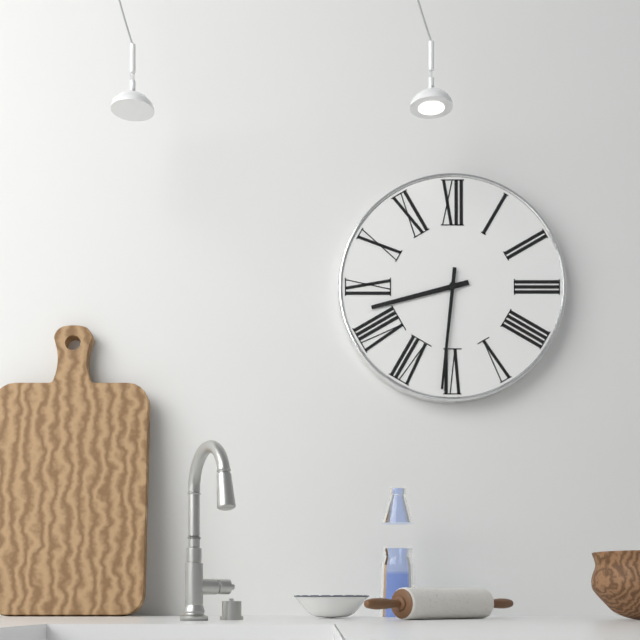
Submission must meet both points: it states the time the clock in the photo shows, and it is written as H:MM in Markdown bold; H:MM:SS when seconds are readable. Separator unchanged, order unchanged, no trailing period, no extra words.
**8:31**
